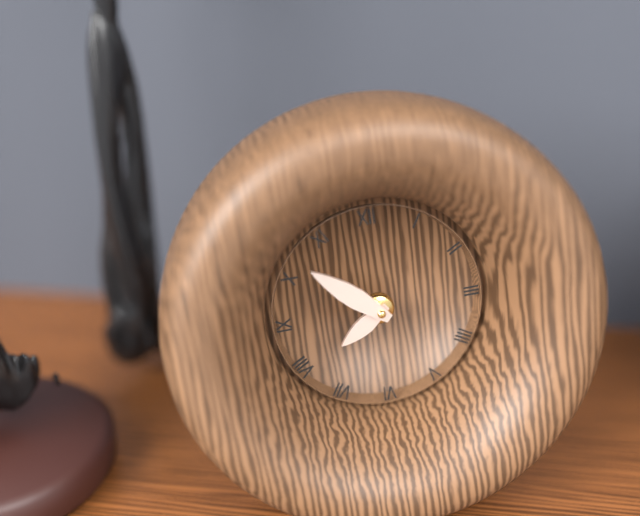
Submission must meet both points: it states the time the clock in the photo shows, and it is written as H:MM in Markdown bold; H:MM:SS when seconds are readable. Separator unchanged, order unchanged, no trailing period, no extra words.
**7:52**
